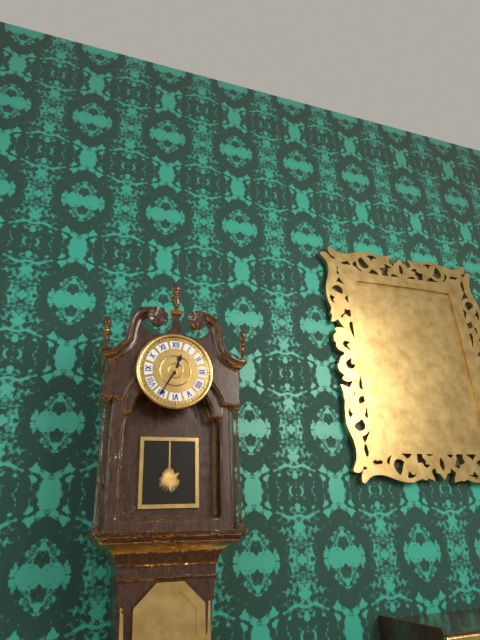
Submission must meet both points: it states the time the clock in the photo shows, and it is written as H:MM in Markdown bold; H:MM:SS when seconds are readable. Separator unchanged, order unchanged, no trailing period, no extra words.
**12:35**
